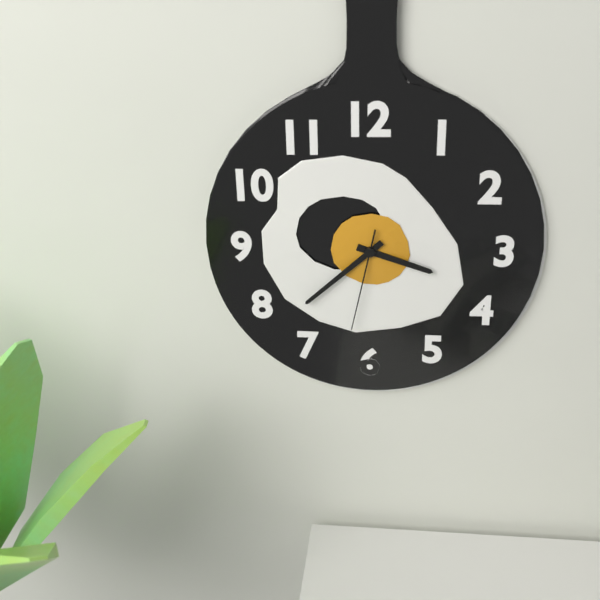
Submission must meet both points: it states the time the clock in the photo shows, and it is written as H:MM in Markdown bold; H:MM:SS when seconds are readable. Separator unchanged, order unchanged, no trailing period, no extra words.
**3:38:32**
